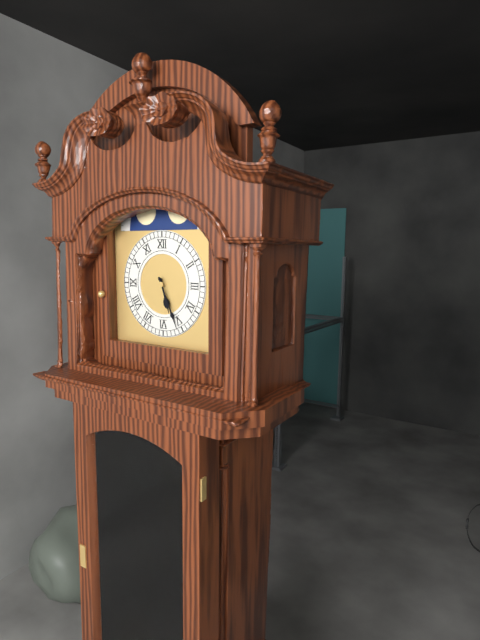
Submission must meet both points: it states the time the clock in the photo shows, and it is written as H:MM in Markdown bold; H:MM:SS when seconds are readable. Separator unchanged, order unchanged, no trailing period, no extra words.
**5:26**
